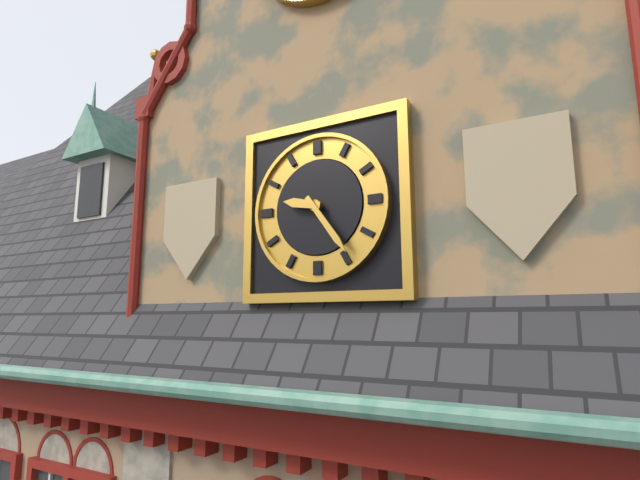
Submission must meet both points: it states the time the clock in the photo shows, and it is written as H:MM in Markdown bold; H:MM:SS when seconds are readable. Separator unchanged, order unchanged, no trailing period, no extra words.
**9:24**
